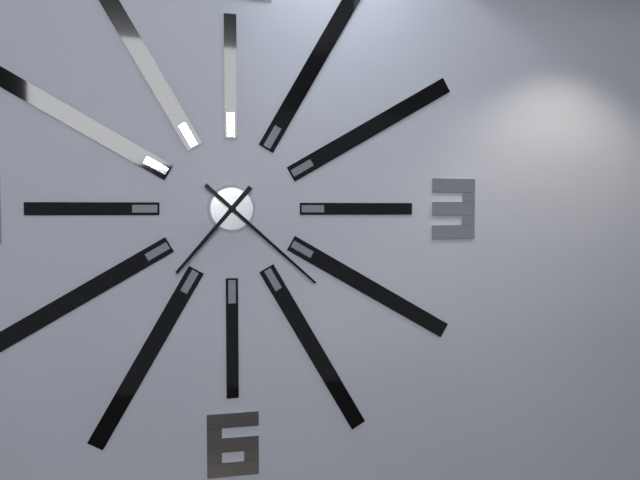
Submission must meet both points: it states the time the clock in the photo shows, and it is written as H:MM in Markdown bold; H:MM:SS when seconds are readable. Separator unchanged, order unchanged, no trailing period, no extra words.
**7:22**
